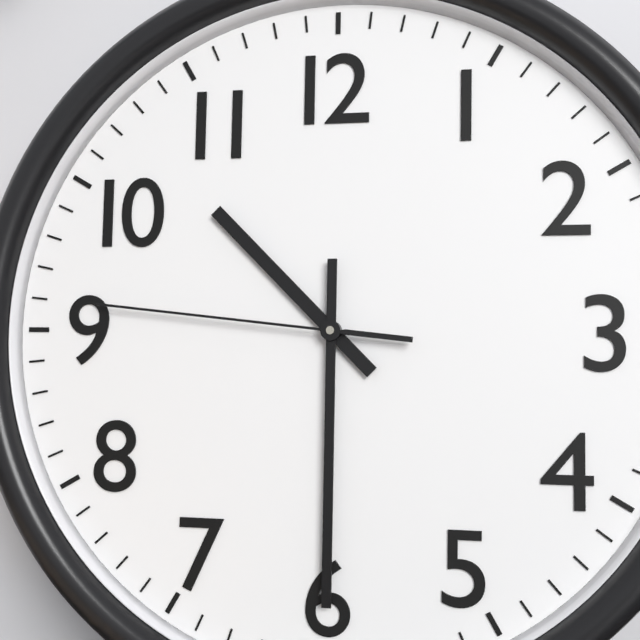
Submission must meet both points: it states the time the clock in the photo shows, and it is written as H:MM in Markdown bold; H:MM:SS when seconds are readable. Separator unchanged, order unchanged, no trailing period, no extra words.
**10:30:46**
